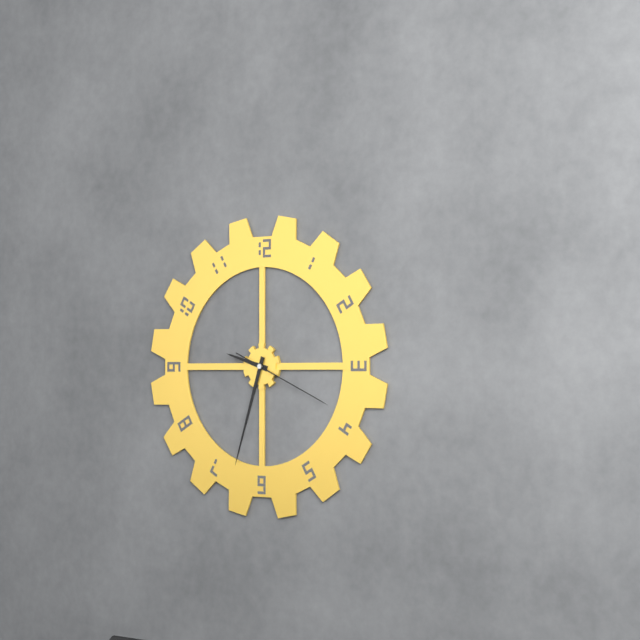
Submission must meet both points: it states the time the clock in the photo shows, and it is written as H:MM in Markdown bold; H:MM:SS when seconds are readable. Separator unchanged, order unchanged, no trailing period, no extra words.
**9:33:19**
